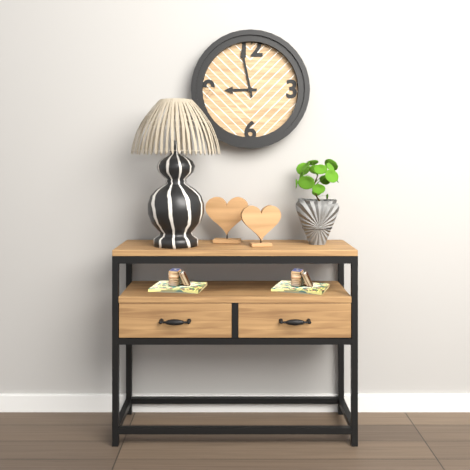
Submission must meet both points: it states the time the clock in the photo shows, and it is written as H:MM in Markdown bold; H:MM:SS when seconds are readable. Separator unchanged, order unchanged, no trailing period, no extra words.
**8:58**
